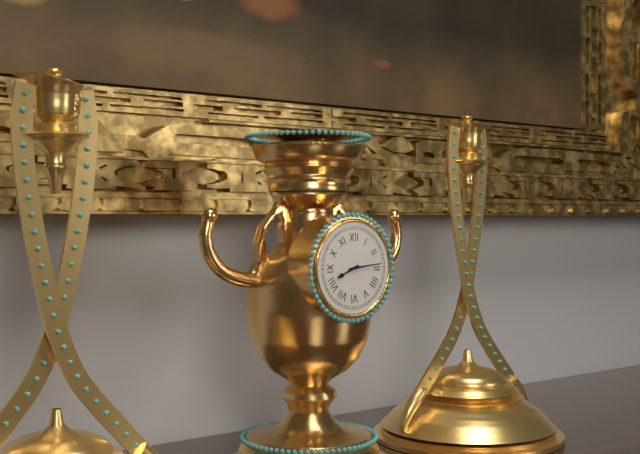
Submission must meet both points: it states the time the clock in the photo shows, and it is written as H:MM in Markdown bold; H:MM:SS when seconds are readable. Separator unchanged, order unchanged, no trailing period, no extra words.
**8:14**
